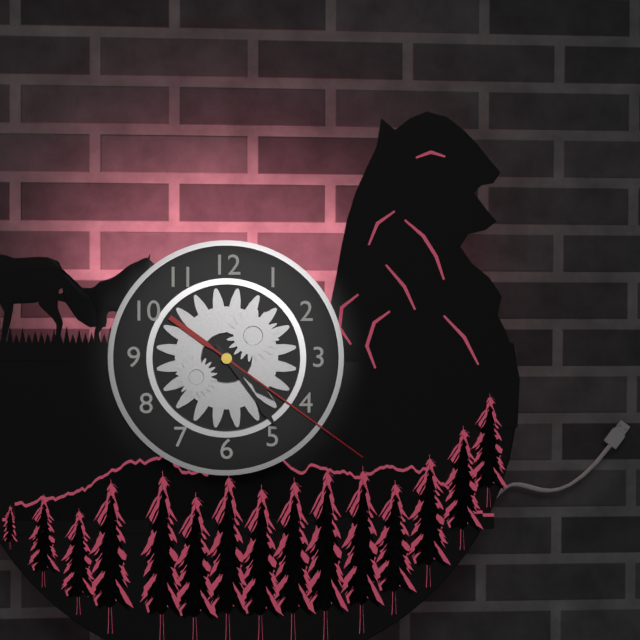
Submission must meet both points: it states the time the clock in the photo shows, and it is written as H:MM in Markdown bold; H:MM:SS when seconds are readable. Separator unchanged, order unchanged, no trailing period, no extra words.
**4:24:21**
